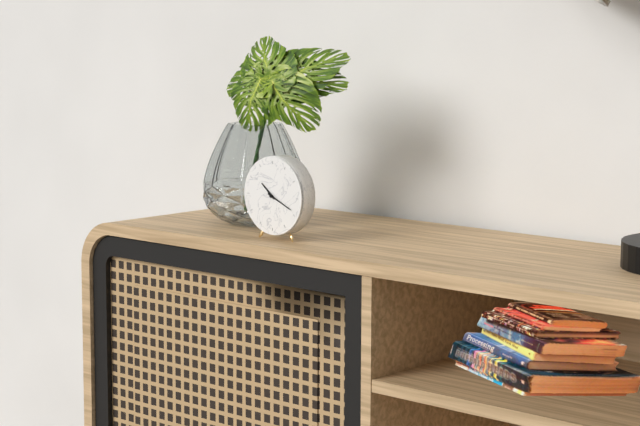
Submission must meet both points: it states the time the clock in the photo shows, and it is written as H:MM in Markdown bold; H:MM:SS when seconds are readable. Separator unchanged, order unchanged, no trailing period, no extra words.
**10:19**
